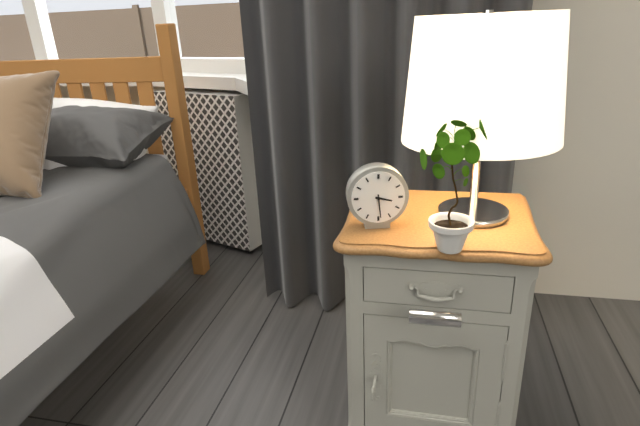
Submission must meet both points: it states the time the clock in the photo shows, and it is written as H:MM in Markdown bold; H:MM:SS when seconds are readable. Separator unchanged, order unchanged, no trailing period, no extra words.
**3:29**
